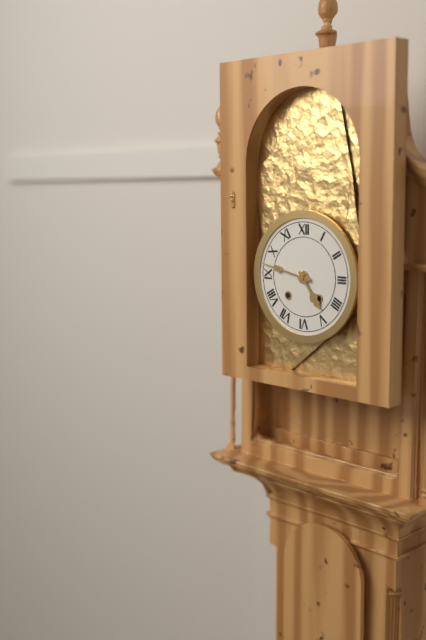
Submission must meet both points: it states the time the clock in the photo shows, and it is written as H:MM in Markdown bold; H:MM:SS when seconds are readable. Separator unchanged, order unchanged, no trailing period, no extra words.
**4:47**
